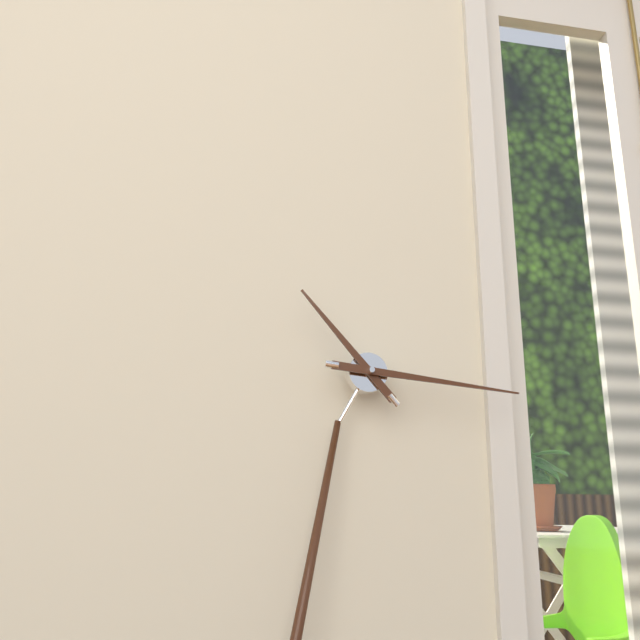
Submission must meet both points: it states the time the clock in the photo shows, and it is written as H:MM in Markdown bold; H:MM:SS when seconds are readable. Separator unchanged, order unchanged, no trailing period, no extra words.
**10:14**
